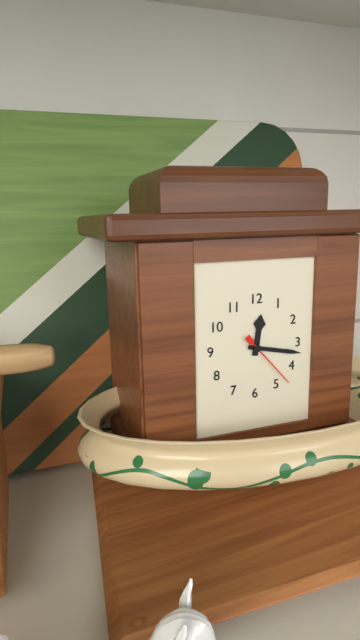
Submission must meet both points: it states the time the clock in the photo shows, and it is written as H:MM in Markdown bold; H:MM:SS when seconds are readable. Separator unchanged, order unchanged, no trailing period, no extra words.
**12:17:23**
